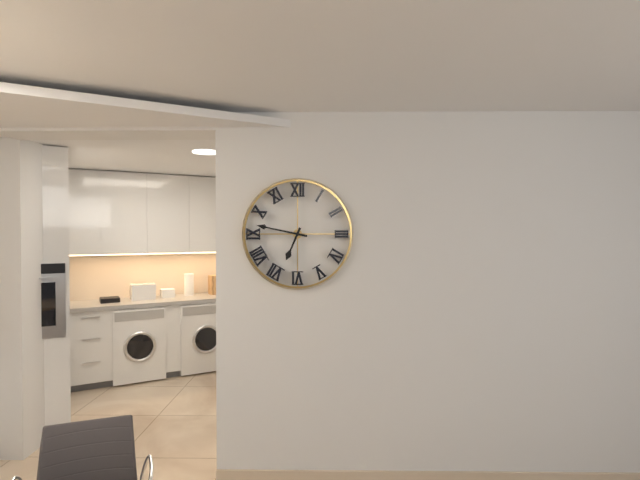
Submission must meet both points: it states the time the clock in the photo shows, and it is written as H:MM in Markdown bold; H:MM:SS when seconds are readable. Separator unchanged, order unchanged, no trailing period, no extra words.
**6:47**
